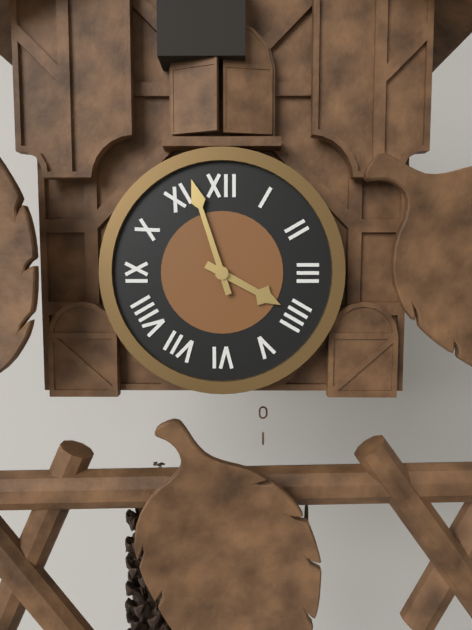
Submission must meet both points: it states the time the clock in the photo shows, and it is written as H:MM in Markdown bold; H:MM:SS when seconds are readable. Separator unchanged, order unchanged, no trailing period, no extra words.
**3:57**
